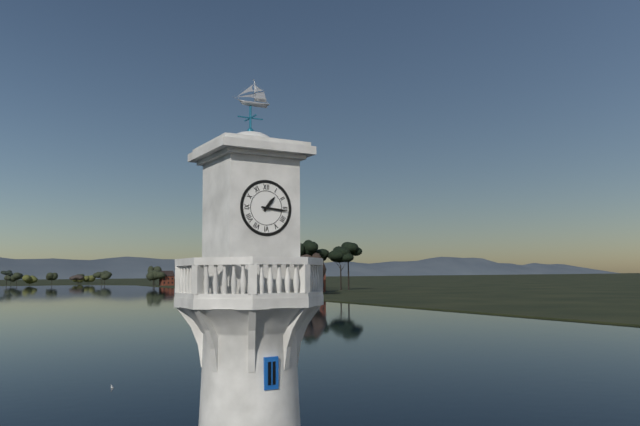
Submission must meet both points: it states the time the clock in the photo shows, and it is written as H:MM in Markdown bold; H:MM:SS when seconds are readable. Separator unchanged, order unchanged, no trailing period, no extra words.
**1:16**
